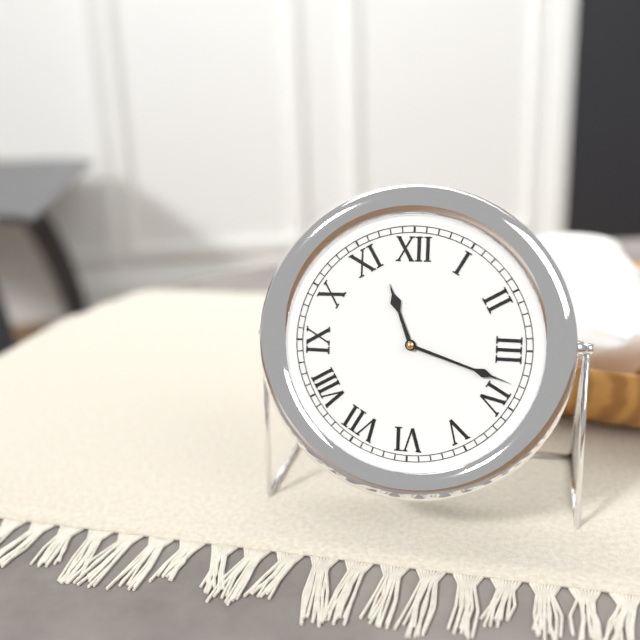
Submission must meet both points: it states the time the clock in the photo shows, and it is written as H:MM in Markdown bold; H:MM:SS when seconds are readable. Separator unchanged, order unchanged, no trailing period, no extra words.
**11:18**
